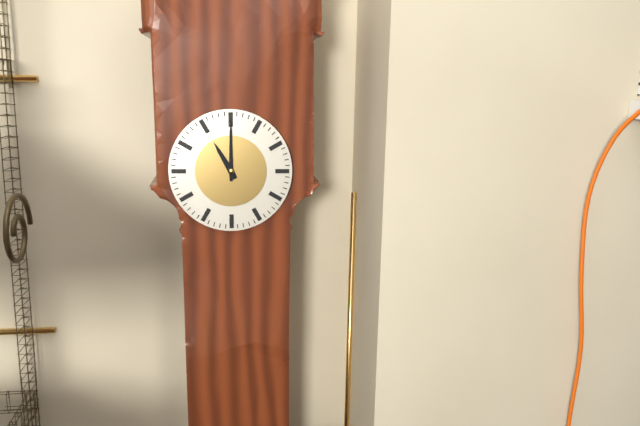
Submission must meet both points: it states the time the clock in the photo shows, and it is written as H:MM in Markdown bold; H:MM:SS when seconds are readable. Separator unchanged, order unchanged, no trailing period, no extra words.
**11:00**
